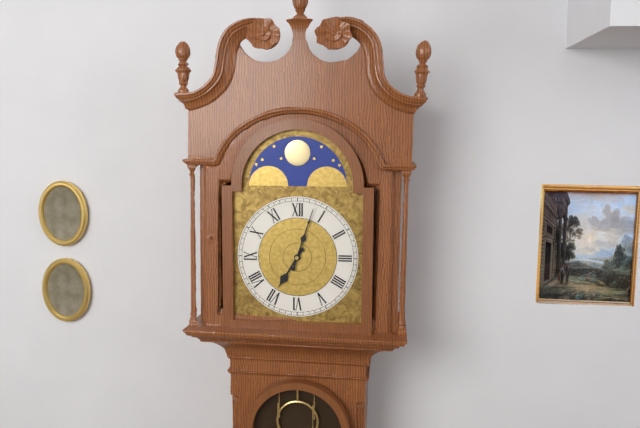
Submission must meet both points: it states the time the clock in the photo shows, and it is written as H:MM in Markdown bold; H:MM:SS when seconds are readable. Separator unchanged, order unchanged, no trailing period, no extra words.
**7:03**
